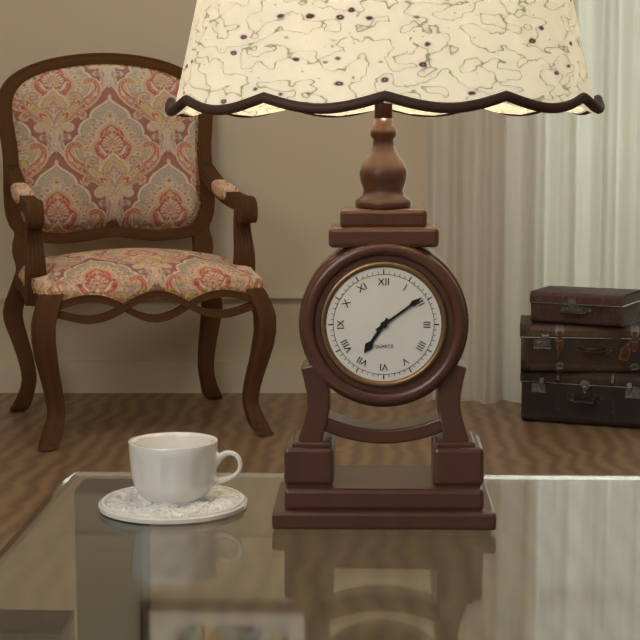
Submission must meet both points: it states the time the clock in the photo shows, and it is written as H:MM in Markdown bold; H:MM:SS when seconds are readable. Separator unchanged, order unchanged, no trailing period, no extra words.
**7:09**
